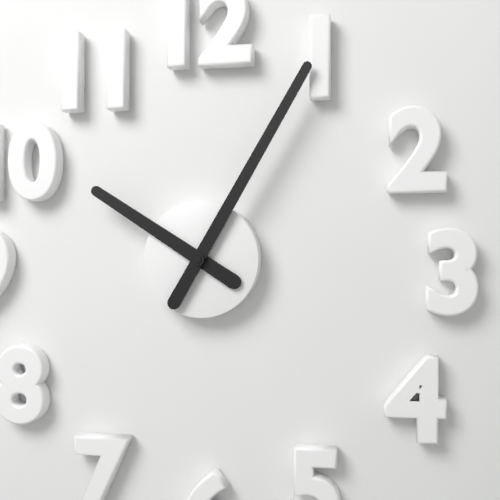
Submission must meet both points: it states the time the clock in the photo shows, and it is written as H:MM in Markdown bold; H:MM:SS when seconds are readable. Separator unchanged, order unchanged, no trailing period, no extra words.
**10:05**
